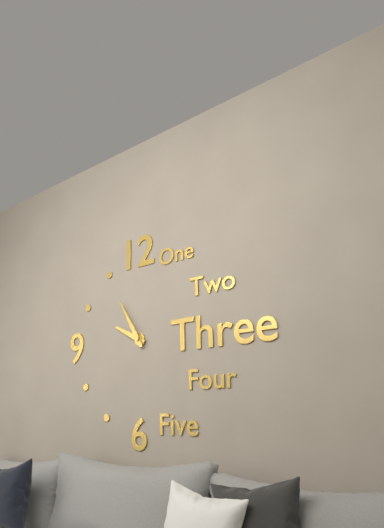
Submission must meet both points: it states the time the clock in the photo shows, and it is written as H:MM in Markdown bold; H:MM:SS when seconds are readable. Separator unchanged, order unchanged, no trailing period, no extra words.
**9:55**
